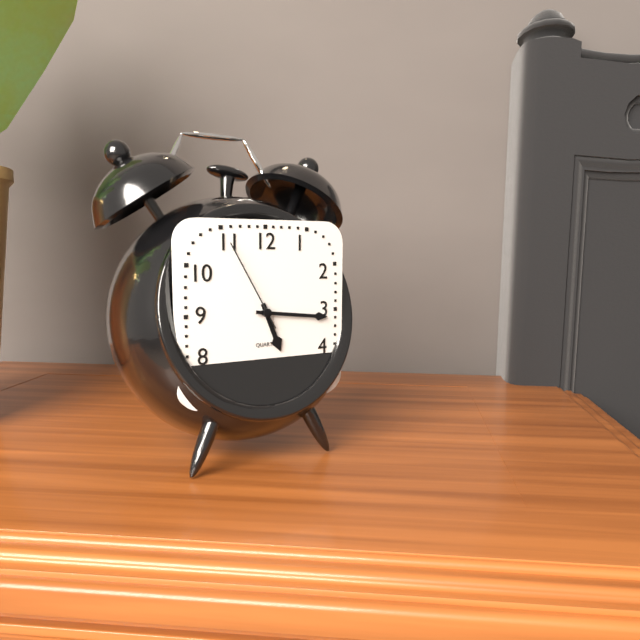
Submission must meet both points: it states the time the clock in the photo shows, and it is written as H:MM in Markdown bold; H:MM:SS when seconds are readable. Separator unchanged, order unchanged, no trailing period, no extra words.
**5:16:55**
